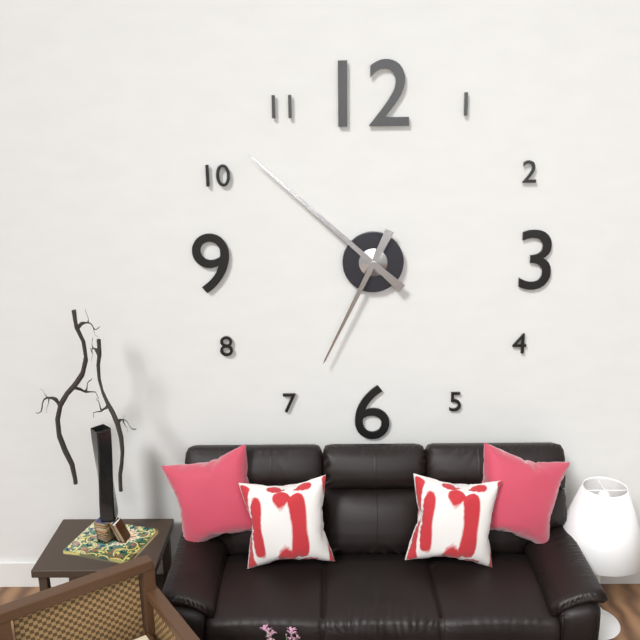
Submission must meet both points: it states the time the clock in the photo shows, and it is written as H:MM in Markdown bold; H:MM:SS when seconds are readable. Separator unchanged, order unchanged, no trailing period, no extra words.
**6:52**
